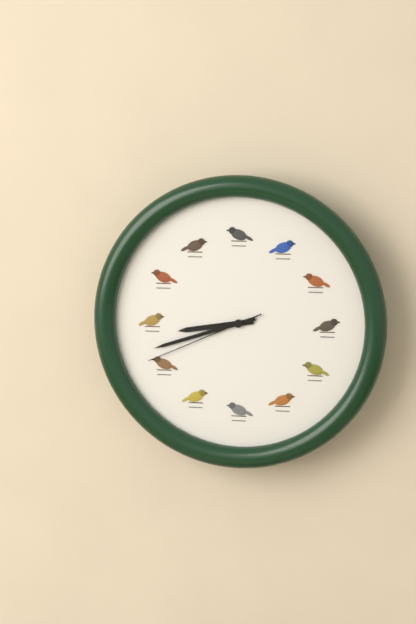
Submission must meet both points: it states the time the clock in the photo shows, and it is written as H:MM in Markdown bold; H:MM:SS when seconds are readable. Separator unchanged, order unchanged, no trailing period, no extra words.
**8:42:41**
